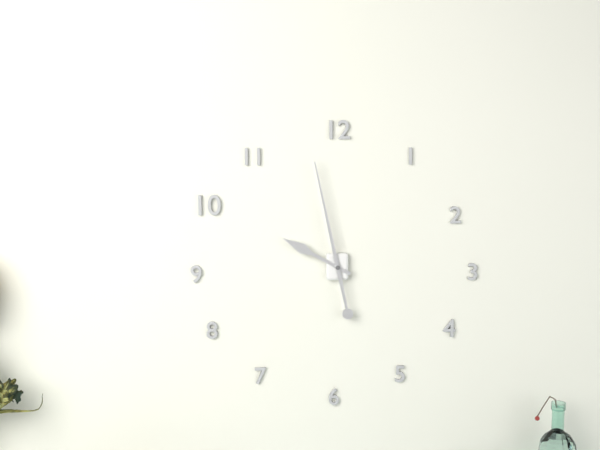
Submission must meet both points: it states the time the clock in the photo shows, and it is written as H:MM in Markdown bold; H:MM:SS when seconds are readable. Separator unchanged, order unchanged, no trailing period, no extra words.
**9:58**
